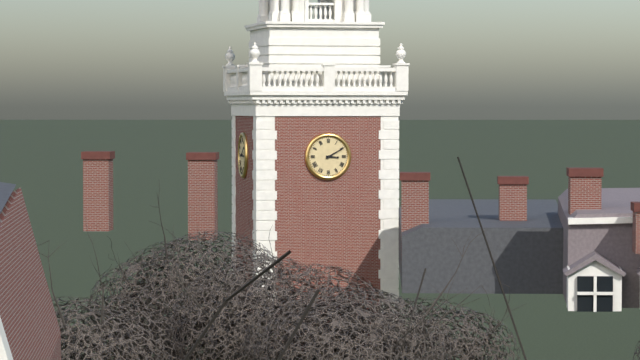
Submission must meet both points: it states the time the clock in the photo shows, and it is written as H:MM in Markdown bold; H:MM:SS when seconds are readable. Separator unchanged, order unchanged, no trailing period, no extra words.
**3:10**
